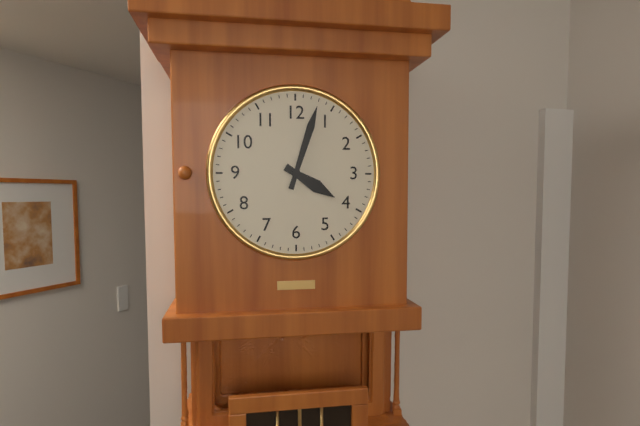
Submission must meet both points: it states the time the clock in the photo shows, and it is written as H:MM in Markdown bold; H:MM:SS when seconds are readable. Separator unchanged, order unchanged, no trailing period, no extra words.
**4:03**
